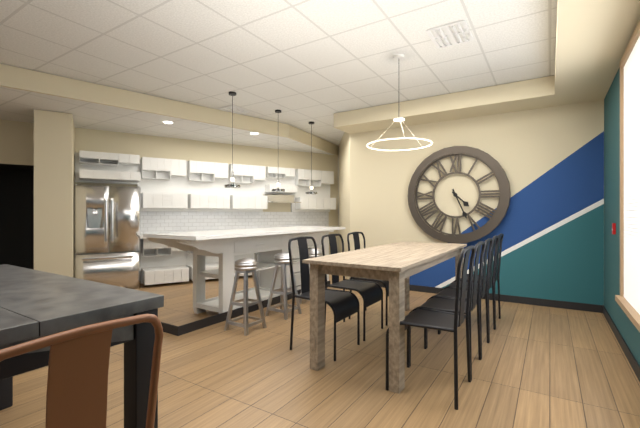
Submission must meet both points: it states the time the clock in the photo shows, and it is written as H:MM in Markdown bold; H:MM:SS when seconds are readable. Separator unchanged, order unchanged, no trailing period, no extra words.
**4:26**
